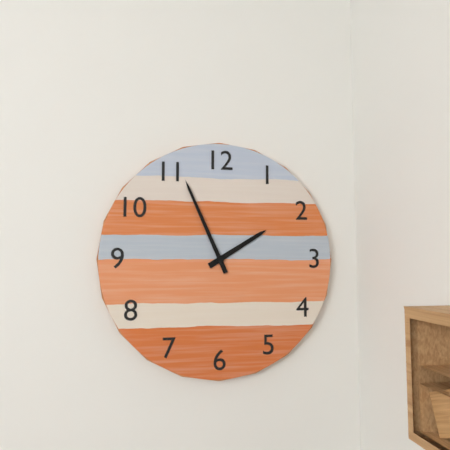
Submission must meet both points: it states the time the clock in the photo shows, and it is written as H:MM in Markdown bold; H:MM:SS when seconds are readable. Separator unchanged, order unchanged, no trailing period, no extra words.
**1:56**
